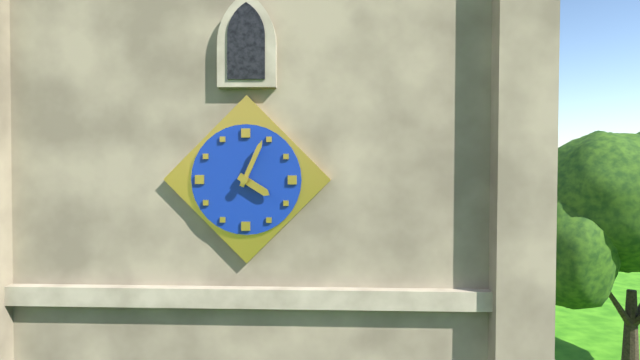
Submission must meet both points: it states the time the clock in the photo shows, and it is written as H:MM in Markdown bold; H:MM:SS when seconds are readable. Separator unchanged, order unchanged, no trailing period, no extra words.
**4:04**
